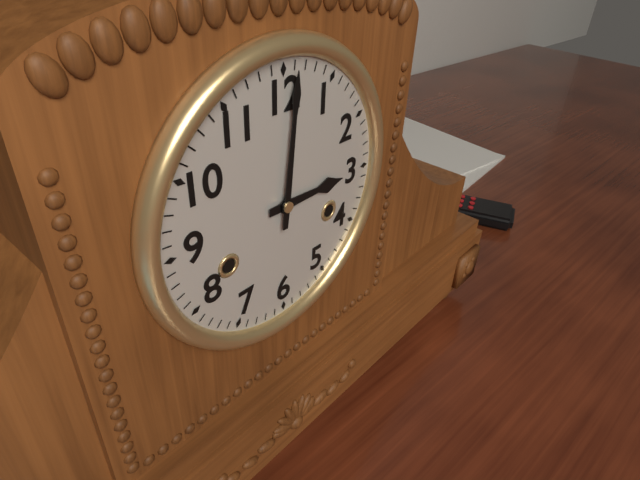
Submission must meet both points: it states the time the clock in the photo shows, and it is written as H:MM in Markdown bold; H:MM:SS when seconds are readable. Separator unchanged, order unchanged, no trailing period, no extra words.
**3:01**
